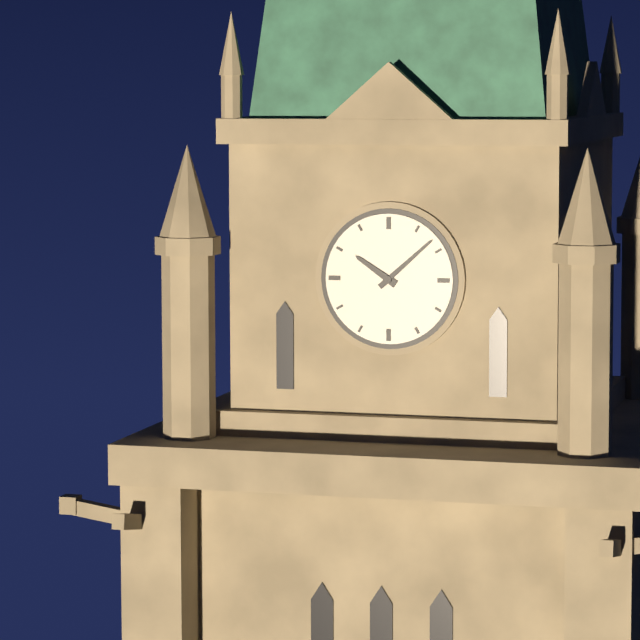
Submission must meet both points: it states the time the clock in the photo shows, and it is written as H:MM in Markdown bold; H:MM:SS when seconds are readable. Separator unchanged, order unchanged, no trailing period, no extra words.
**10:08**
